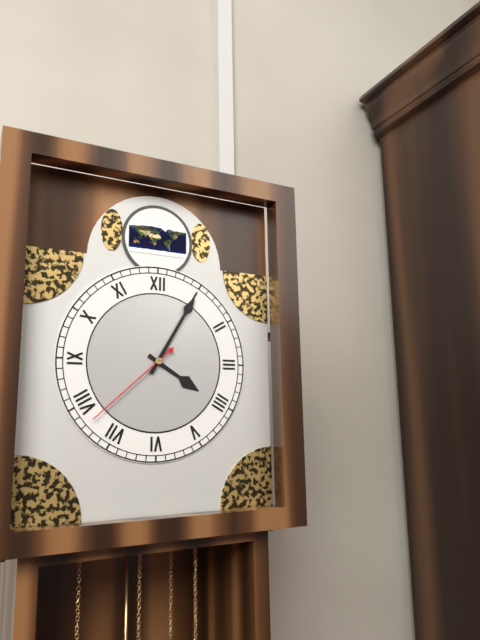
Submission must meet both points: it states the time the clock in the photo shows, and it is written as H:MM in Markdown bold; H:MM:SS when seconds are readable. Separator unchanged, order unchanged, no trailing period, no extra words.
**4:05:38**
